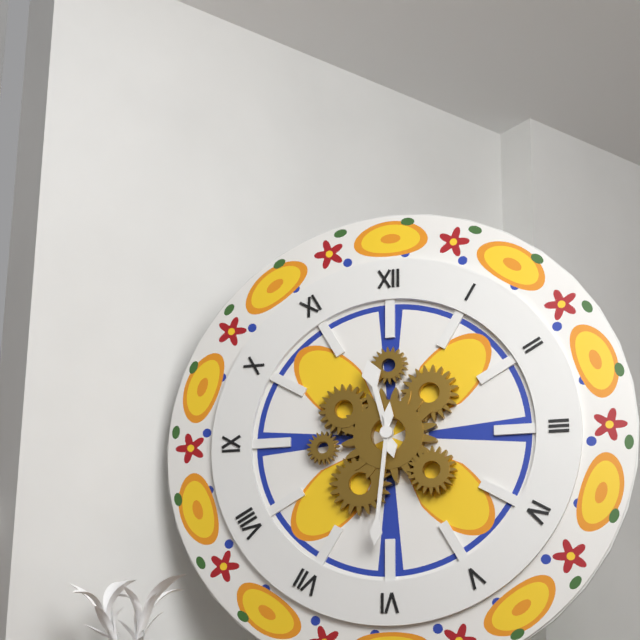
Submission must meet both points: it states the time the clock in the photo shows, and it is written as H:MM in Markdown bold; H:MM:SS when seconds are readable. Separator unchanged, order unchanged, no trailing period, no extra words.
**11:31**
